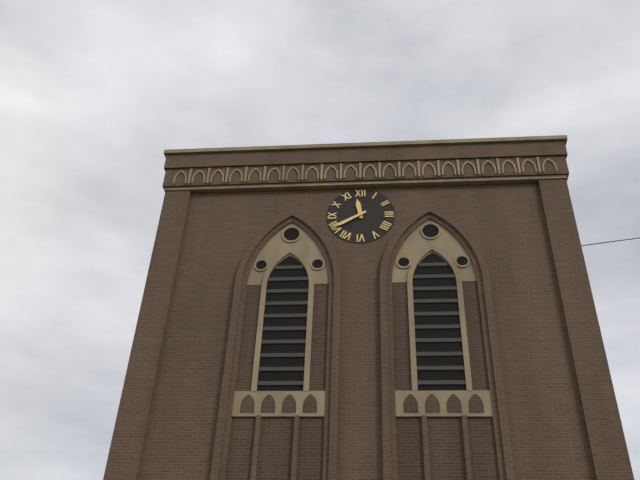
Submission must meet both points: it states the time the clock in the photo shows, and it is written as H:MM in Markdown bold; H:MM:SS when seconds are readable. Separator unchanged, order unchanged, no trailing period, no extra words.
**11:40**
